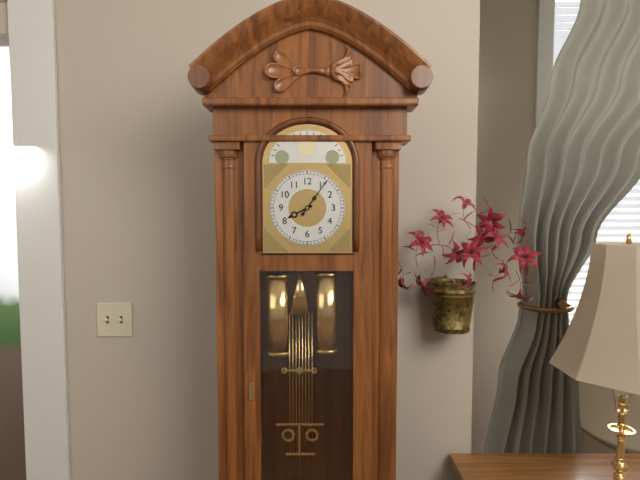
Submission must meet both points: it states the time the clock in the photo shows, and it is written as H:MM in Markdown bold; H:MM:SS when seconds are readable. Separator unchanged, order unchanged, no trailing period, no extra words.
**8:06**
